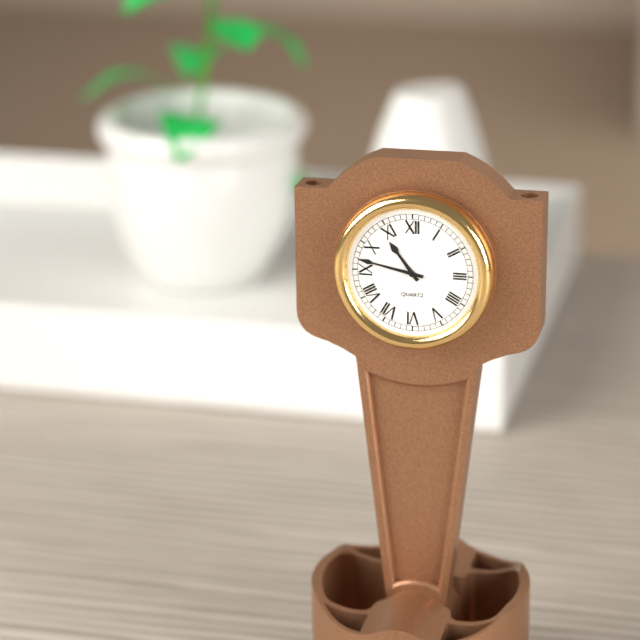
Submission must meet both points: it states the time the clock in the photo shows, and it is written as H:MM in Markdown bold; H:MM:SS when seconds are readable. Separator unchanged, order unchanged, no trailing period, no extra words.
**10:47**
